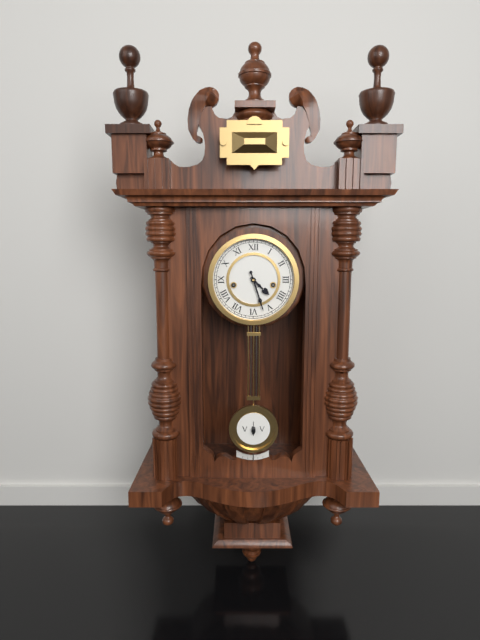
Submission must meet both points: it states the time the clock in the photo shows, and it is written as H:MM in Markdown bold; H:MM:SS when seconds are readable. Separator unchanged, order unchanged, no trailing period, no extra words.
**4:27**
